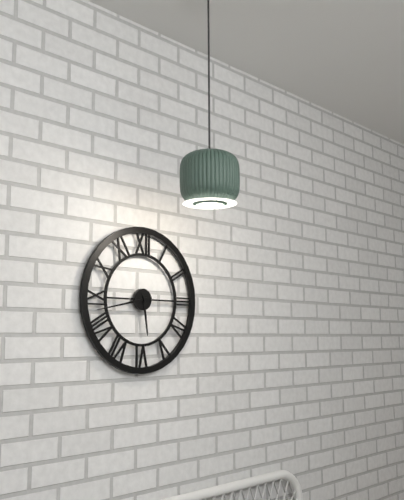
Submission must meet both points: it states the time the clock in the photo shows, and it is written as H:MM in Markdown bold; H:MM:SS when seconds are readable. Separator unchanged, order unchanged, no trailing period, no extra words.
**5:43**
